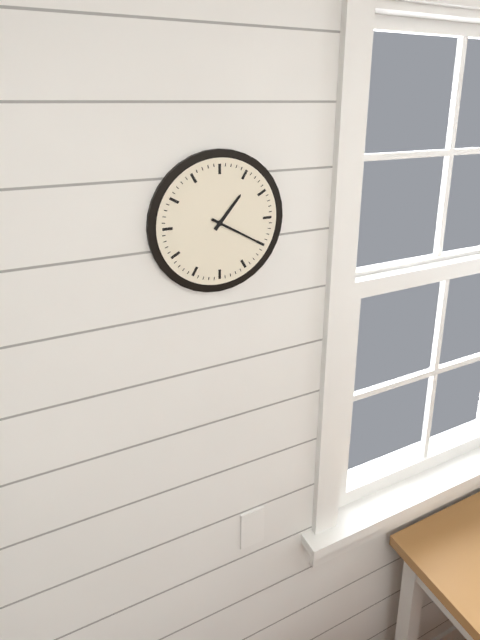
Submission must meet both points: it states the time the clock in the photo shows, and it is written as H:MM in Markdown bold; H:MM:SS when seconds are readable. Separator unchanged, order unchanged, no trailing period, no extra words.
**1:20**
